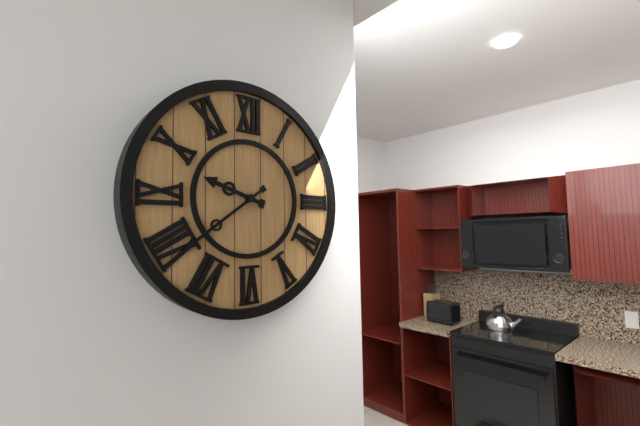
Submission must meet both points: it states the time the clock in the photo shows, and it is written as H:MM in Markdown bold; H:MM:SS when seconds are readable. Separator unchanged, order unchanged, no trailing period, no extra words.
**9:39**
